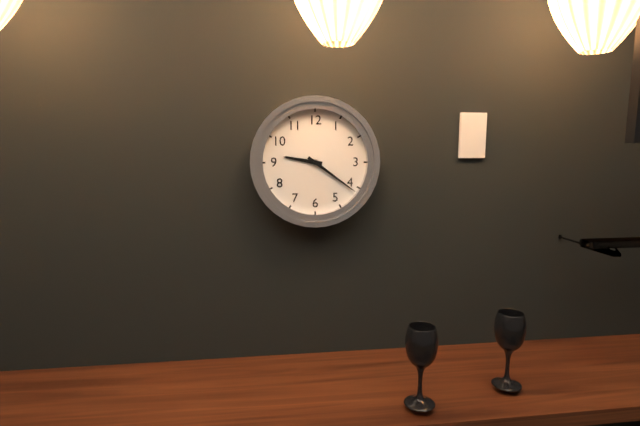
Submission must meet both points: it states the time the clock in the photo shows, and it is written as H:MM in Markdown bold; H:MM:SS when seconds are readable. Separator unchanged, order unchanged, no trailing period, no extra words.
**9:21**
